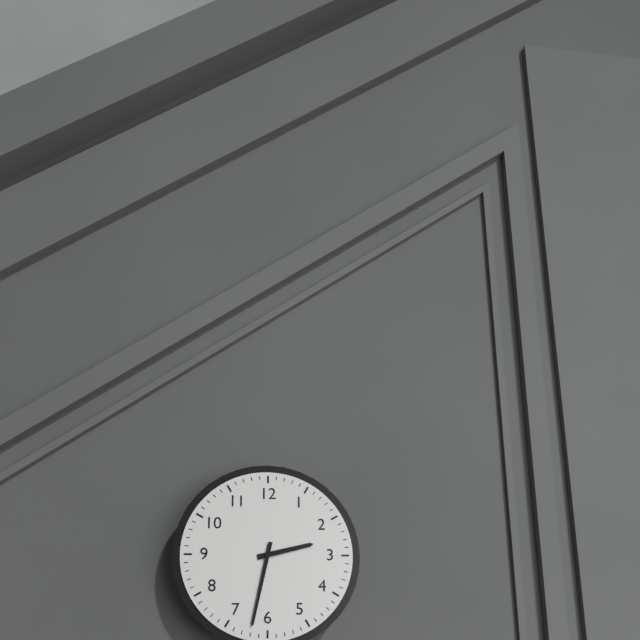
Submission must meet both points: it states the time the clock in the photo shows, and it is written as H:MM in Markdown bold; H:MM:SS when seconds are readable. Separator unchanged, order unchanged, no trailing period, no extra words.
**2:32**
